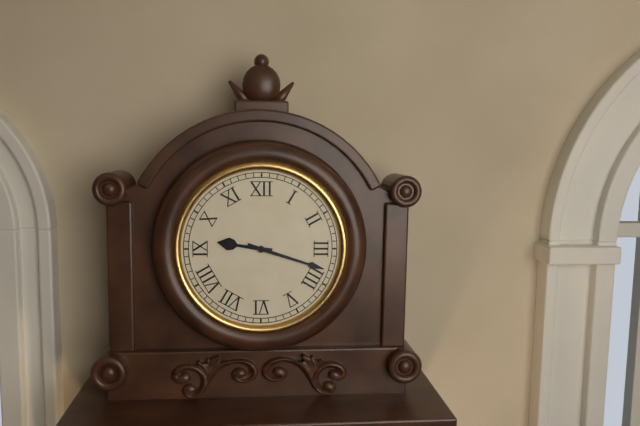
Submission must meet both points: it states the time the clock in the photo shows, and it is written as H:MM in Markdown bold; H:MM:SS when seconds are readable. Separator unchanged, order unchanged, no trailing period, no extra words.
**9:18**
